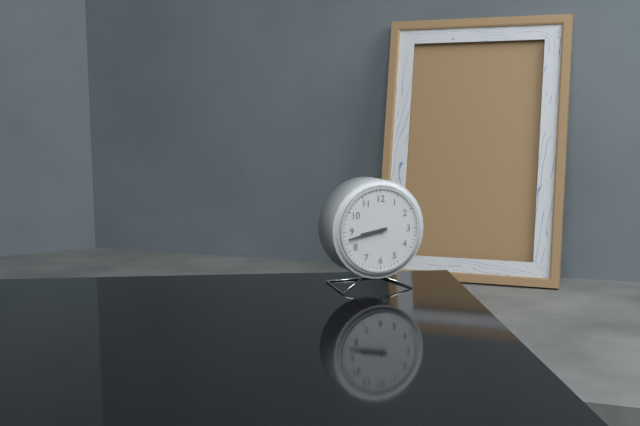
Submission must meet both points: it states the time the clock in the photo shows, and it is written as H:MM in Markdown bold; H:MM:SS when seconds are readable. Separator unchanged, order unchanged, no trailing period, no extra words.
**8:43**
